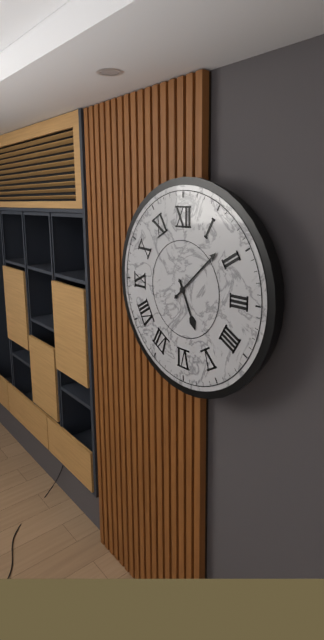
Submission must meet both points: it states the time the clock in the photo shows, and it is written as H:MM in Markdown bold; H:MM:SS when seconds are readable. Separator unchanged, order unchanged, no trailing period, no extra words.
**5:08**
